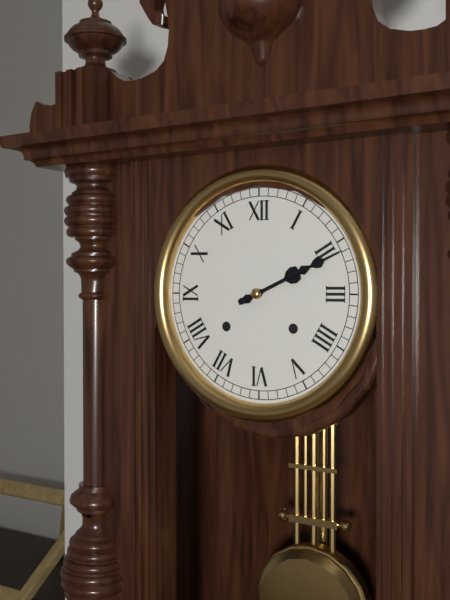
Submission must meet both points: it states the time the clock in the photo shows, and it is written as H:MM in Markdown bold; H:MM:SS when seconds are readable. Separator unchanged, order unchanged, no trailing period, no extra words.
**2:11**
